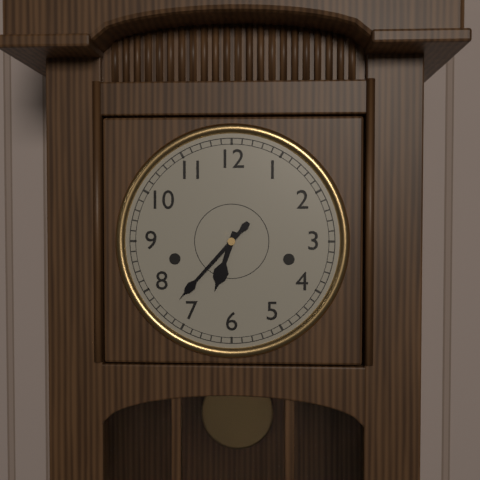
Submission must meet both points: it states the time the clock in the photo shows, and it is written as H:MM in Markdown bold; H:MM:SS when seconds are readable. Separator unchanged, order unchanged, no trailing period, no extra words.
**6:37**
